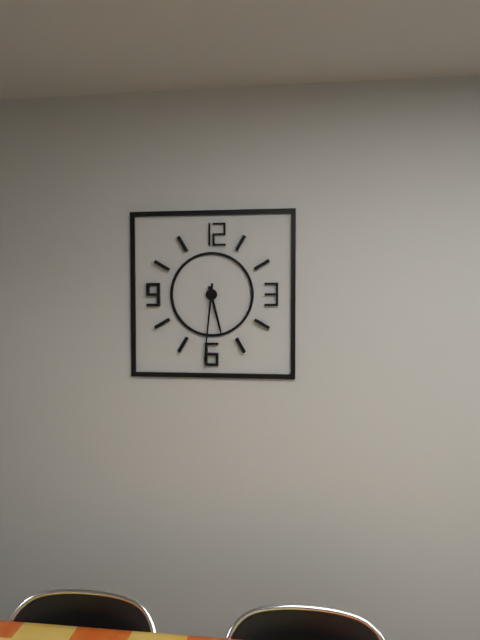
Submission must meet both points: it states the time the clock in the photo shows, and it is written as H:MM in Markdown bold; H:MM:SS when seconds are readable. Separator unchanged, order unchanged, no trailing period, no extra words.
**5:31**
